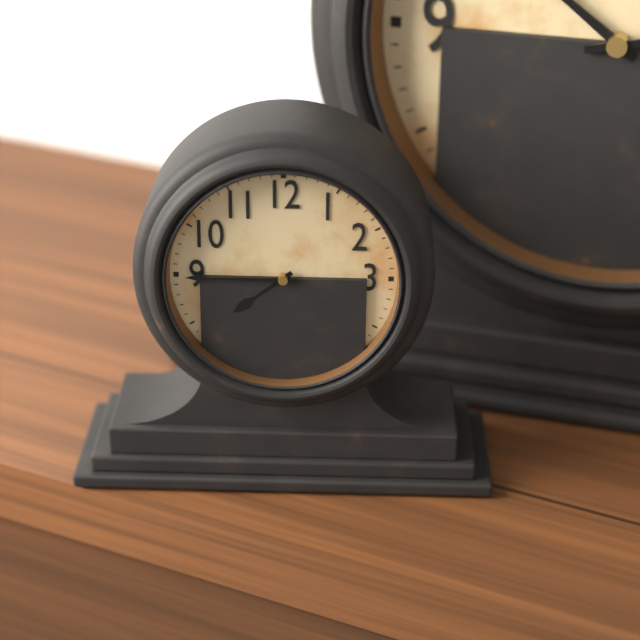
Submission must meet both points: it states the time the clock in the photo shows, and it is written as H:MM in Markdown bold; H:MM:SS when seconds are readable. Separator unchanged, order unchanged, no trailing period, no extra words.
**7:45**
